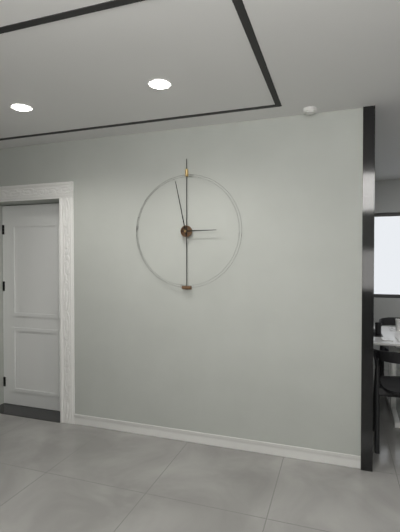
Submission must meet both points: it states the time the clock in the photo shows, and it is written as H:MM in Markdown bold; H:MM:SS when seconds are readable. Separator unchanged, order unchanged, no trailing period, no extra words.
**2:58**
